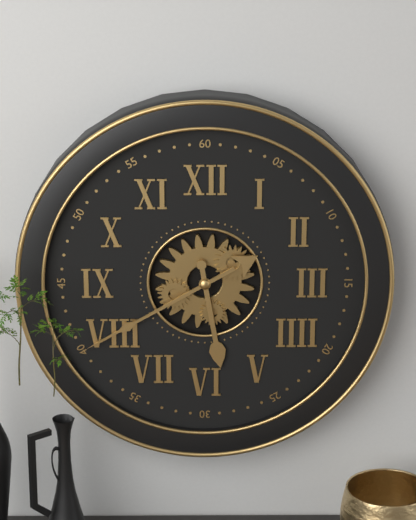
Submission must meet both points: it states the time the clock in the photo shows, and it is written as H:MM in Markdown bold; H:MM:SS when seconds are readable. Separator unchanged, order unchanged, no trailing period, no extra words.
**5:40**
